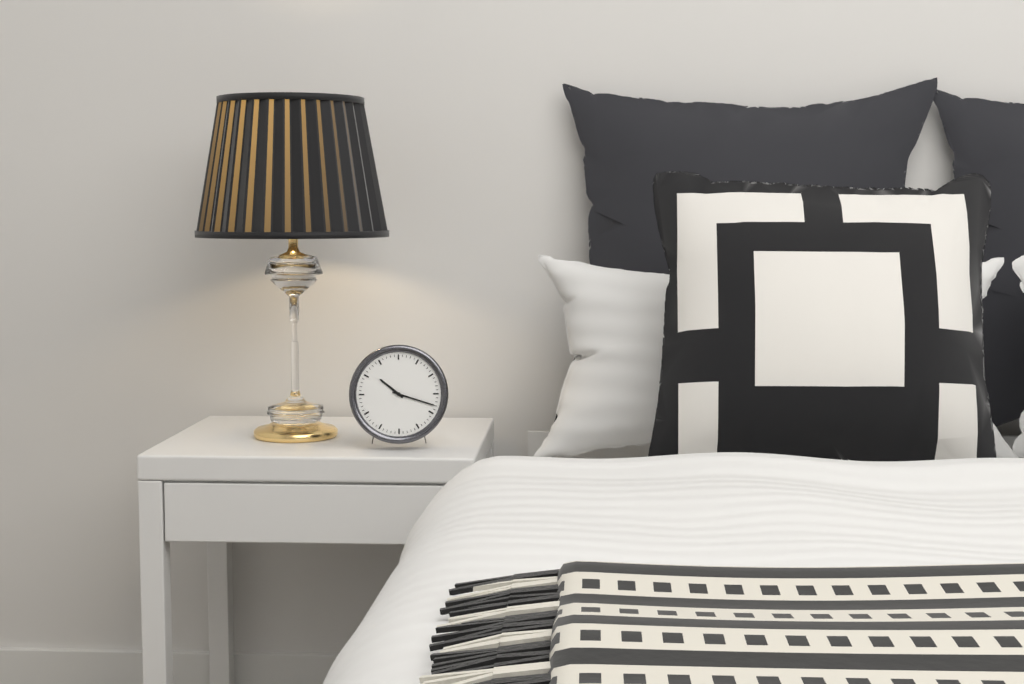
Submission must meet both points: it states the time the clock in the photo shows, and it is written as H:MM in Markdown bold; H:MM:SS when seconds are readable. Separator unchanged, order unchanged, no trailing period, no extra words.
**10:18**
